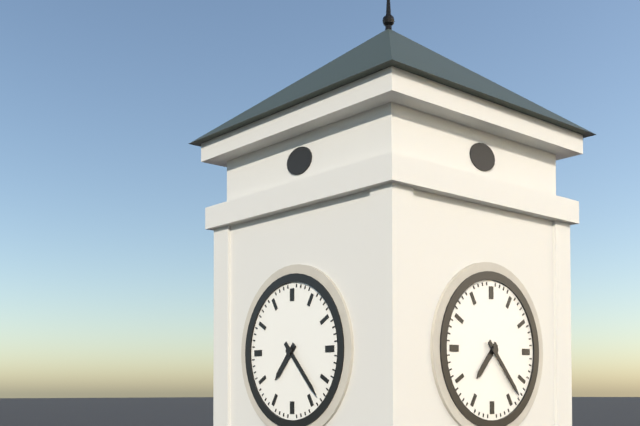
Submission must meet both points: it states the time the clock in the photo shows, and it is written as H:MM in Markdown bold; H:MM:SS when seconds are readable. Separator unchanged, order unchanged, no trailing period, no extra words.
**7:23**
